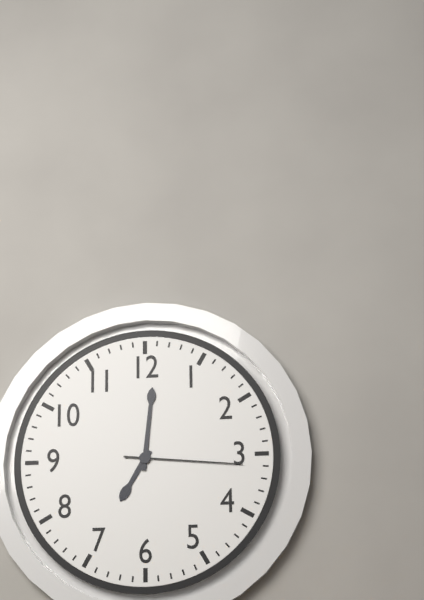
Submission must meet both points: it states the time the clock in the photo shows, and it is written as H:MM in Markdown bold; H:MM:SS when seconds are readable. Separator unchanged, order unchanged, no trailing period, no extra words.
**7:01:16**
